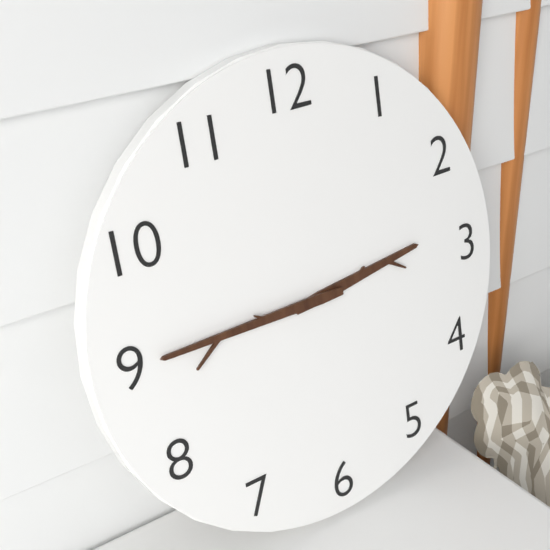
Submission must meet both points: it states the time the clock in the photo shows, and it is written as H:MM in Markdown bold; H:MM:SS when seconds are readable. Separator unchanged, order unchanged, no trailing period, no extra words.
**2:45**
